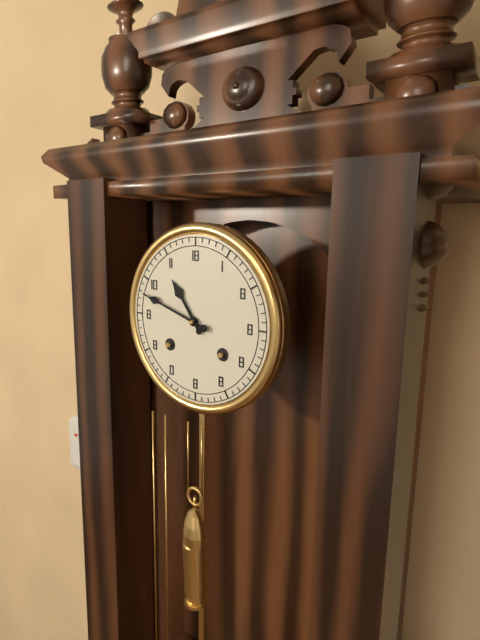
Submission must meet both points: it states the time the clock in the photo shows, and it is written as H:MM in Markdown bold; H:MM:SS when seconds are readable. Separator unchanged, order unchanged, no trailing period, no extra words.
**10:48**
